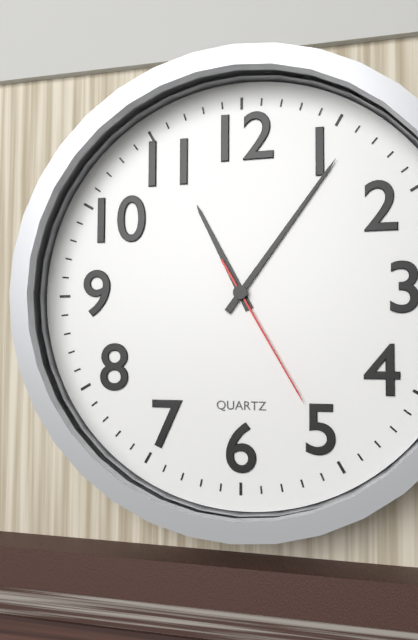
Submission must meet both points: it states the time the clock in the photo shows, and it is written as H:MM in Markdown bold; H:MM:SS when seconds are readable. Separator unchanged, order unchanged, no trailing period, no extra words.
**11:06:25**
